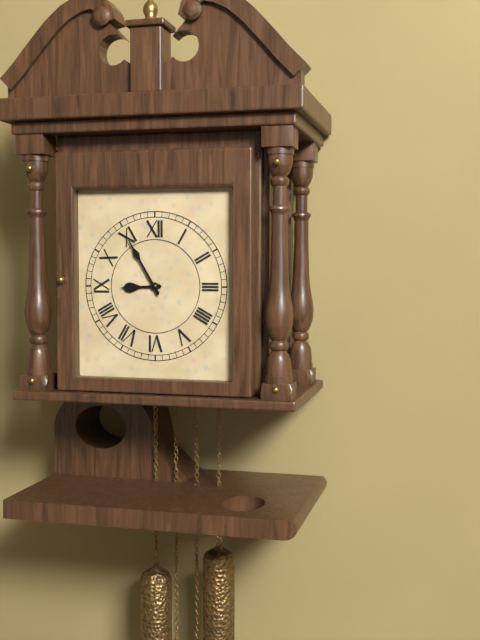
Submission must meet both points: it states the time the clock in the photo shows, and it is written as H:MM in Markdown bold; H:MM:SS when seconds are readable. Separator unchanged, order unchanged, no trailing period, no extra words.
**8:55**
